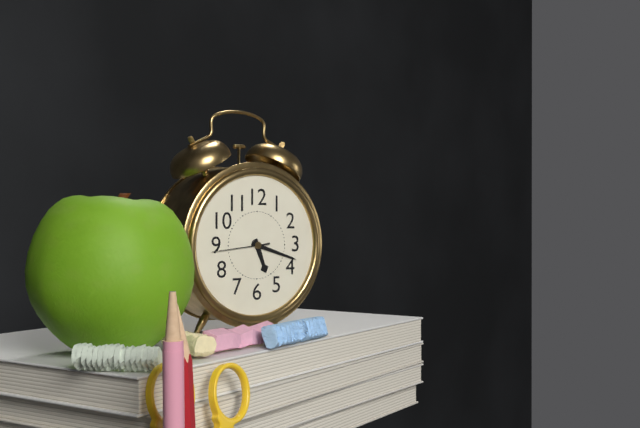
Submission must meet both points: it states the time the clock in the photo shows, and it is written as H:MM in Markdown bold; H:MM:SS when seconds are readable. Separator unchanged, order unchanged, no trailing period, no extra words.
**5:18:44**
